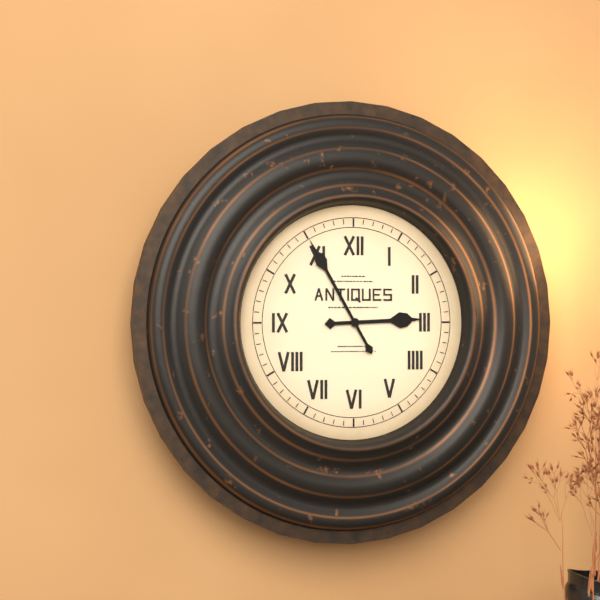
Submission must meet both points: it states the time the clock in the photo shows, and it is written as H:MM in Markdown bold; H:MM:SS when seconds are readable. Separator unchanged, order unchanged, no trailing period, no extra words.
**2:55**
